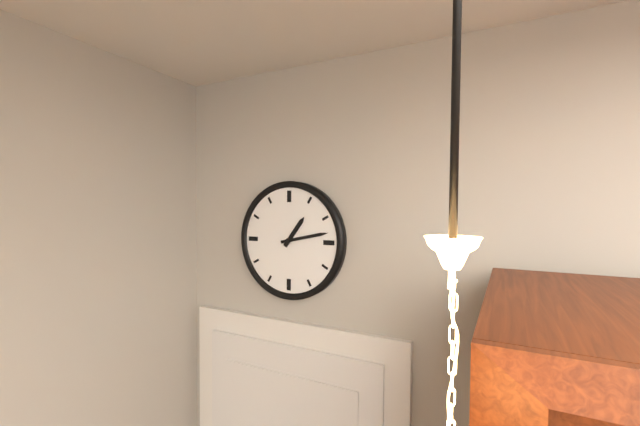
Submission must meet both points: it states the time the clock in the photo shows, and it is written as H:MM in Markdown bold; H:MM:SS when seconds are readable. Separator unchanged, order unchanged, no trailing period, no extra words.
**1:13**
